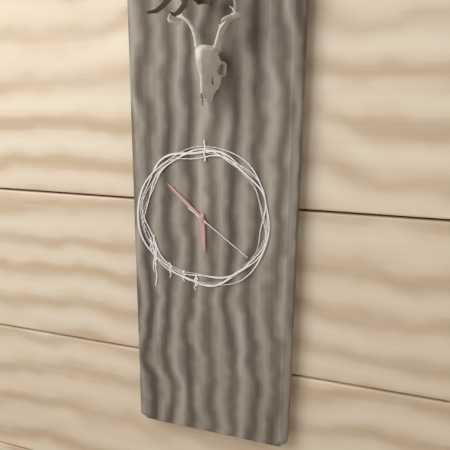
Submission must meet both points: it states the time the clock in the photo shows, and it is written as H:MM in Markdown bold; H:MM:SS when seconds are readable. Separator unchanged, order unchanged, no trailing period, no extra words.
**5:52:21**
